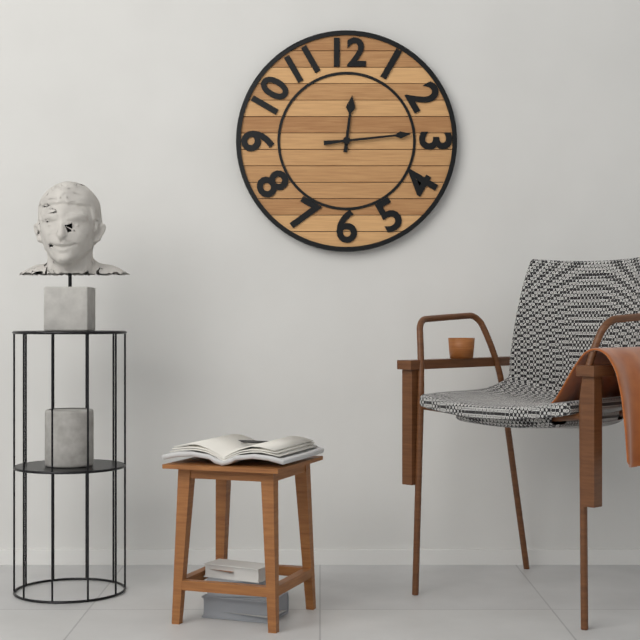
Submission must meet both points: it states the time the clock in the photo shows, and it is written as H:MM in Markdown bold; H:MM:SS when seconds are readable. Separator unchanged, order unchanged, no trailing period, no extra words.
**12:14**
